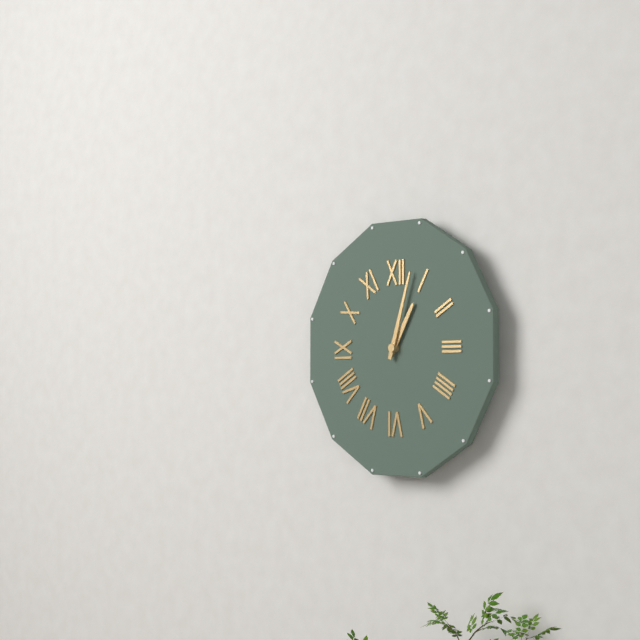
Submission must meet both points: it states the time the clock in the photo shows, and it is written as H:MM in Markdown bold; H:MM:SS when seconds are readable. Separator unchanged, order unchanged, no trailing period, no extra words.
**1:03**
